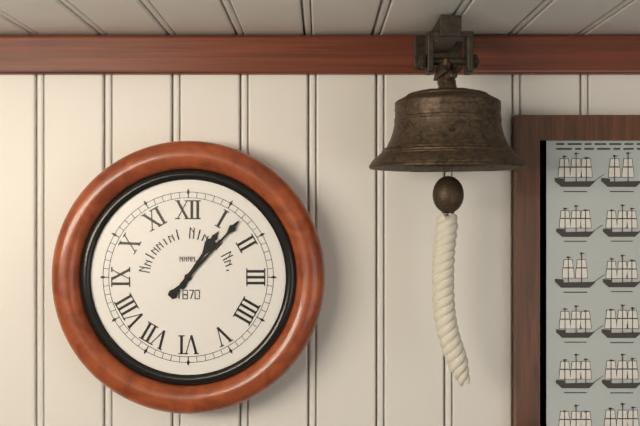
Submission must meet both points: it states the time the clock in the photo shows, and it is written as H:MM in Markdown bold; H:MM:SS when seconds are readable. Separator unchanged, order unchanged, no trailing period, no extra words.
**1:07**
